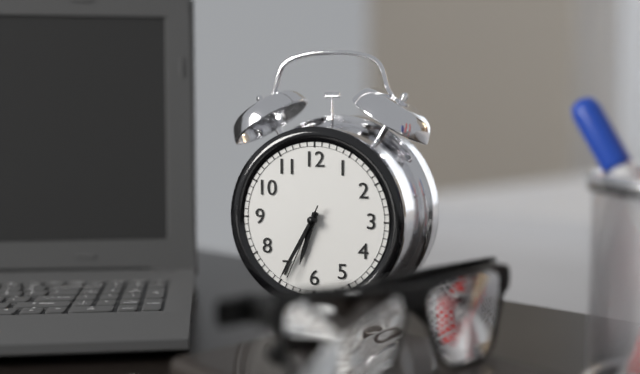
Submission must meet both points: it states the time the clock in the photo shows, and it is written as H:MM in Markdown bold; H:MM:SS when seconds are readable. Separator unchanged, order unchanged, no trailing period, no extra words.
**6:35:34**
